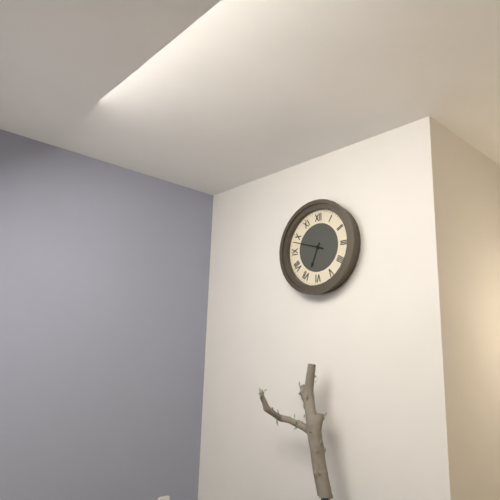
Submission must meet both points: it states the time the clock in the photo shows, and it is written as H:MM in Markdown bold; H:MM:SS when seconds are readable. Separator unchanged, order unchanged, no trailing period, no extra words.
**6:48**
